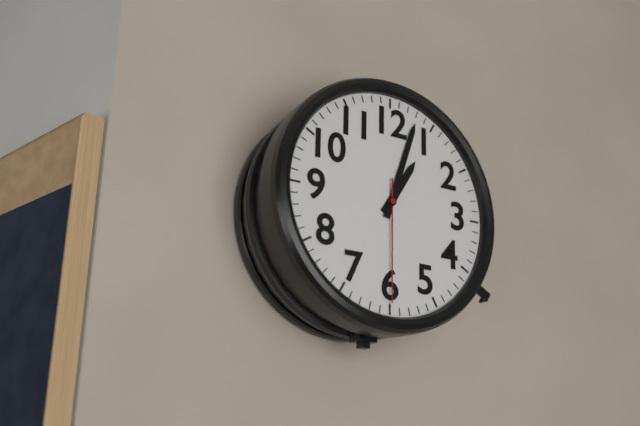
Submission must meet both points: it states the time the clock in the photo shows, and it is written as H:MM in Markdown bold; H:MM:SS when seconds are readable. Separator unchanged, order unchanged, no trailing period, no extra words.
**1:03:30**
